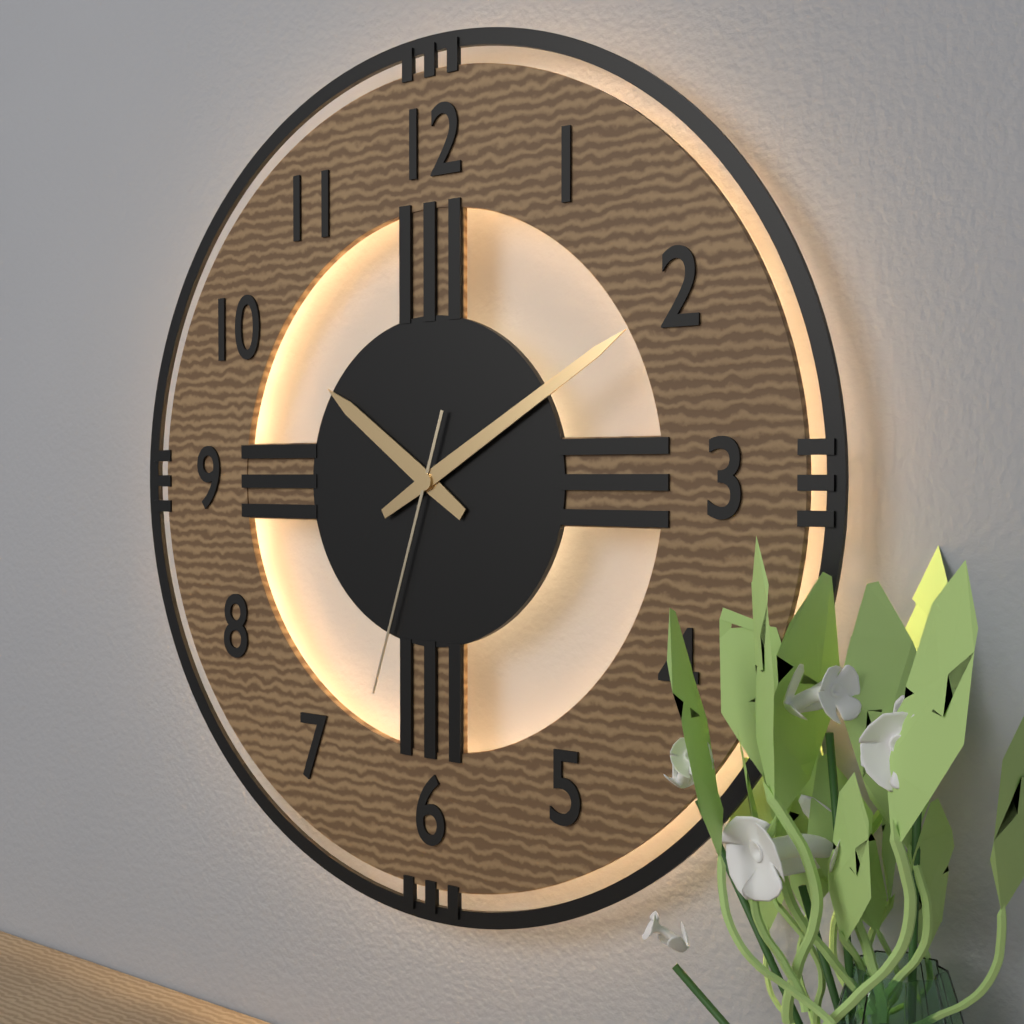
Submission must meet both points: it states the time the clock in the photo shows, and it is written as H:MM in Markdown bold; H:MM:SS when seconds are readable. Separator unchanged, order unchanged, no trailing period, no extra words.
**10:10:33**
